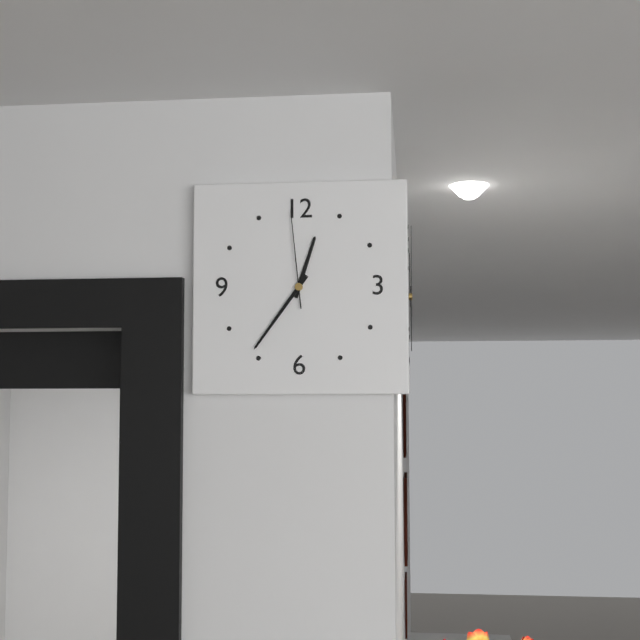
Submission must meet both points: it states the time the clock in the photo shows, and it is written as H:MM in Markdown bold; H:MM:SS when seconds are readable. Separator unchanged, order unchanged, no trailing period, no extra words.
**12:36:59**
